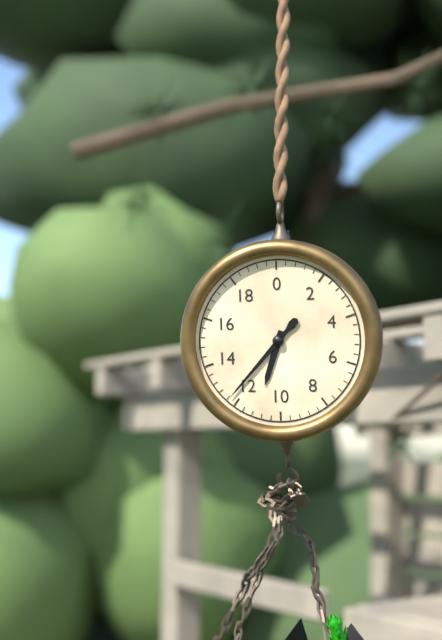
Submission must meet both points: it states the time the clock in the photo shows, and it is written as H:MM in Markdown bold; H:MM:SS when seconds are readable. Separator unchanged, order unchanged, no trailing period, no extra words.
**6:37**
